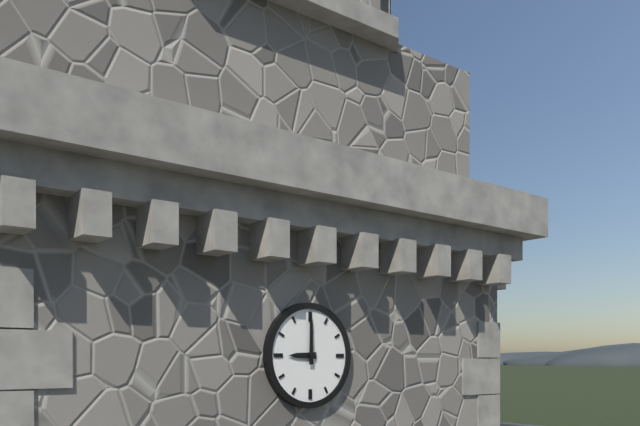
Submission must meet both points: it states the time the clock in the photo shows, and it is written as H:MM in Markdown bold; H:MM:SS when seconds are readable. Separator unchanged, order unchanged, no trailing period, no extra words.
**9:00**
